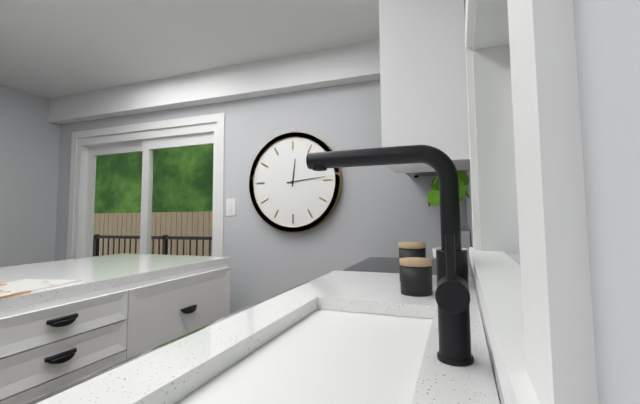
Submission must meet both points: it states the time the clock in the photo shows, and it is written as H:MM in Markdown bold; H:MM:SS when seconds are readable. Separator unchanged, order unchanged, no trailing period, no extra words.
**12:14**
